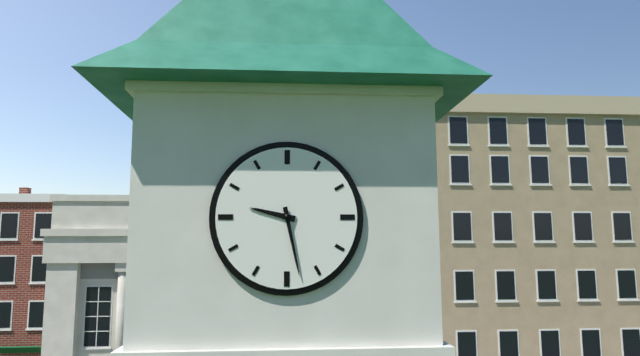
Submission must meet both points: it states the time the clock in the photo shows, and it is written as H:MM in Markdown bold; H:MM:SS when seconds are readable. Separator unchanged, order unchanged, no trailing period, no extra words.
**9:28**
